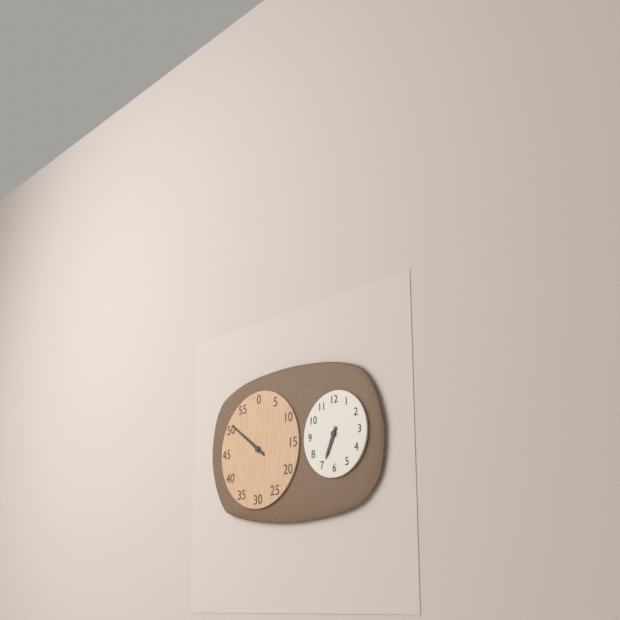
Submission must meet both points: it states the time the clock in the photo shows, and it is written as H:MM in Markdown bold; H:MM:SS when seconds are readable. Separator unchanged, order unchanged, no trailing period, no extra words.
**6:51**
